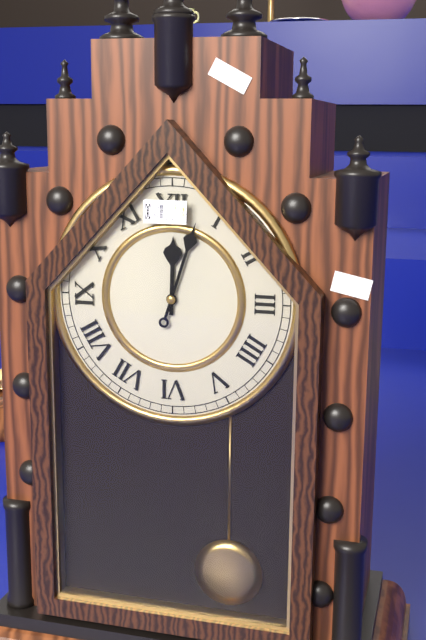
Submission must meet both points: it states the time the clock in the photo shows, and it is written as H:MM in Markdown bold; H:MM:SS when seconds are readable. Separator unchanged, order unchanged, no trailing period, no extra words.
**12:03**
